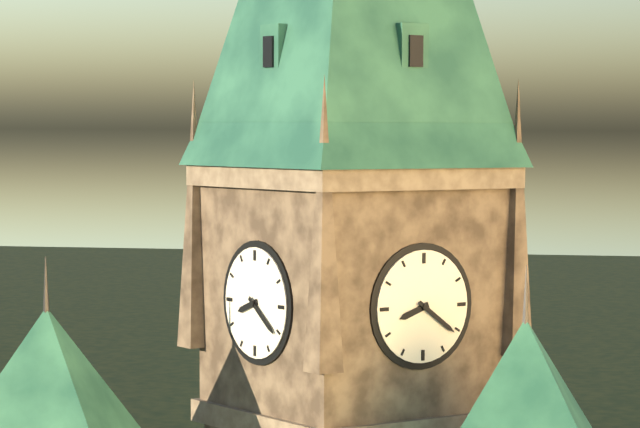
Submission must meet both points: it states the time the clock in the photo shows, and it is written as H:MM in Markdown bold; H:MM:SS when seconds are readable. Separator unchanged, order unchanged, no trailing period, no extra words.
**8:21**
